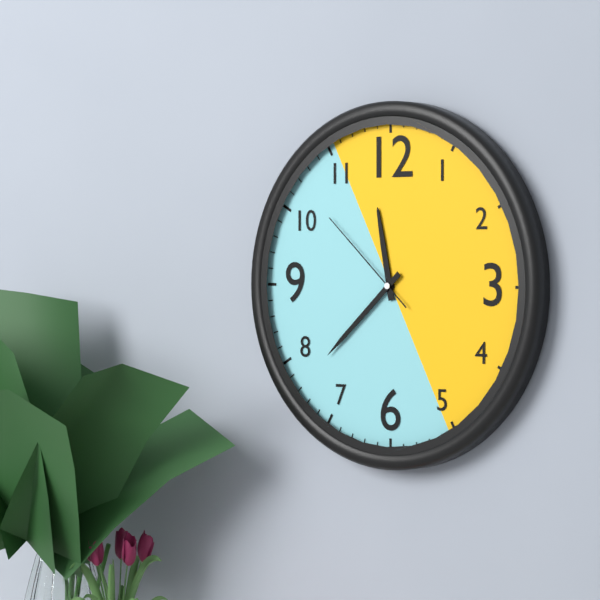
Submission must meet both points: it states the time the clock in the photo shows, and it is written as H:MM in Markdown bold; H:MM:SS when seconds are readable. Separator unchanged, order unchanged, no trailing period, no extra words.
**11:38:52**
